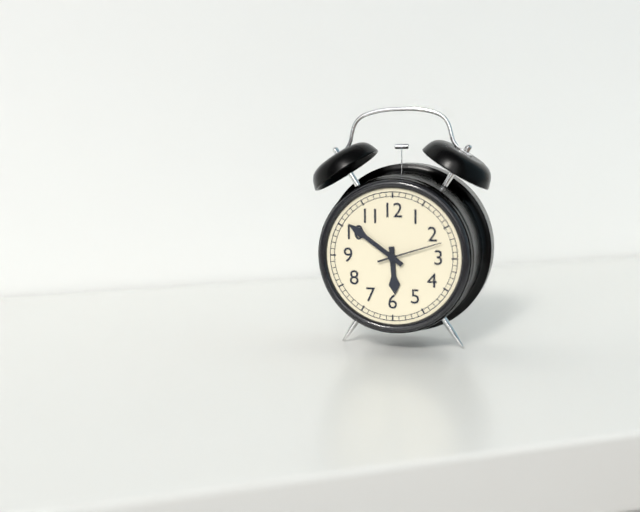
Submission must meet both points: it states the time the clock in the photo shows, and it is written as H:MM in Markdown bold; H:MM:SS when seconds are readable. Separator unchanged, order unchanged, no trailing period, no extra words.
**5:51:12**
